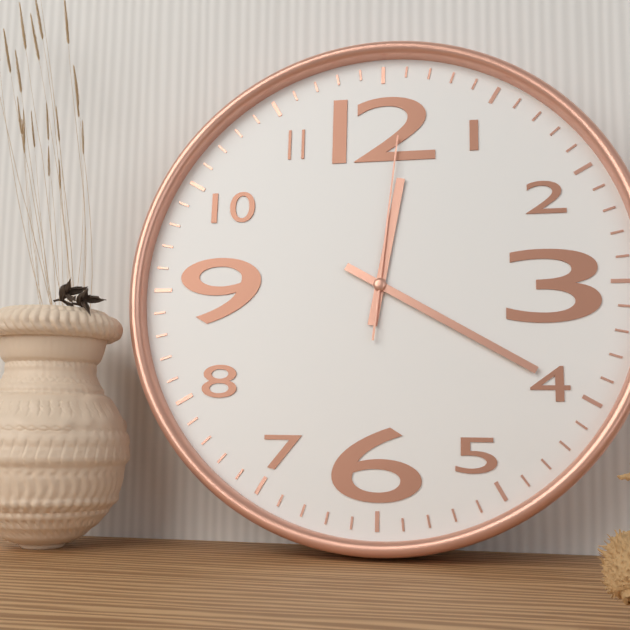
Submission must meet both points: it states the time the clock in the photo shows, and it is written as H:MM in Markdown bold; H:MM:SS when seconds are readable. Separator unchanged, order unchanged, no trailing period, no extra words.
**12:20:01**
